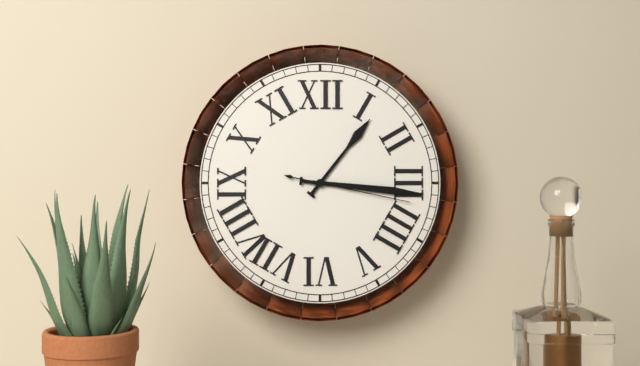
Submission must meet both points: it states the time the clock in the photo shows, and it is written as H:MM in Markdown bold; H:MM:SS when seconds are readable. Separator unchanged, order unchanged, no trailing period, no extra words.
**1:16:17**
